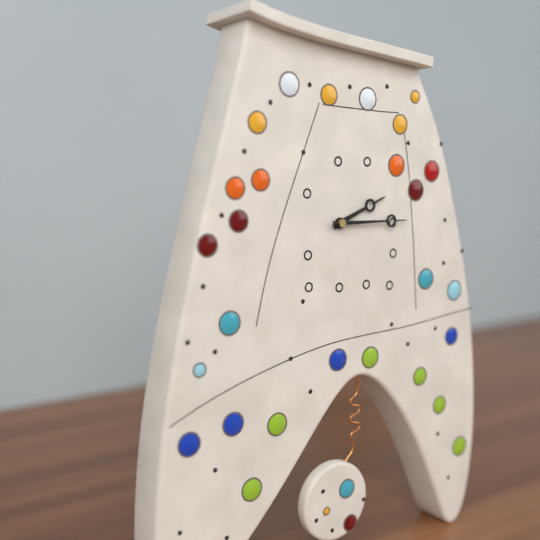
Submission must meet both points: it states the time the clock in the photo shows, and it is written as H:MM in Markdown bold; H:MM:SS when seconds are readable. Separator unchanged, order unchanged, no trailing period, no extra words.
**2:15**
